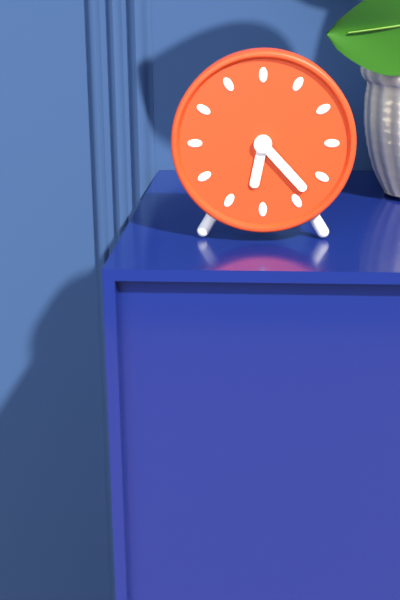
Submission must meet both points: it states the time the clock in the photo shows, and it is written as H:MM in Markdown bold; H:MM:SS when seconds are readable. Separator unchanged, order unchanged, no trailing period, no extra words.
**6:23**
